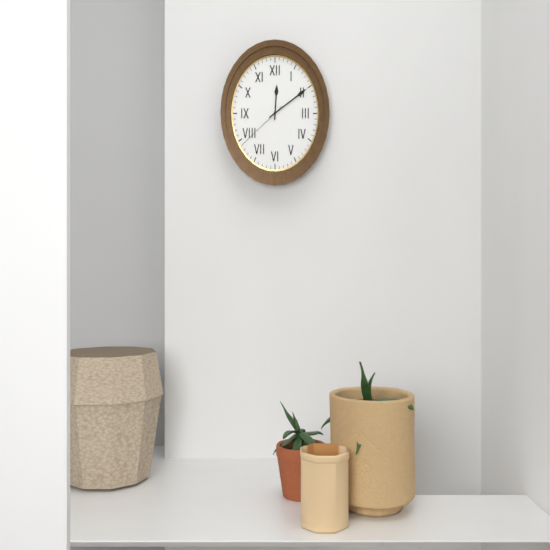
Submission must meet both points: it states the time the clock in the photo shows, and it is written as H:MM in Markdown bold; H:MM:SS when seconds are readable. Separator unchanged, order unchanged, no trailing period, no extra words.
**12:10:39**
